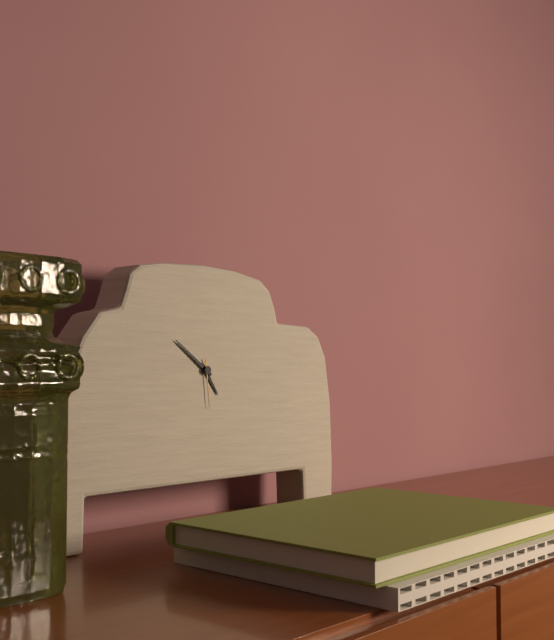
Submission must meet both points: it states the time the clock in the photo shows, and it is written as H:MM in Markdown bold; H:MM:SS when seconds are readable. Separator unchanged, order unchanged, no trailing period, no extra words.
**4:51**
